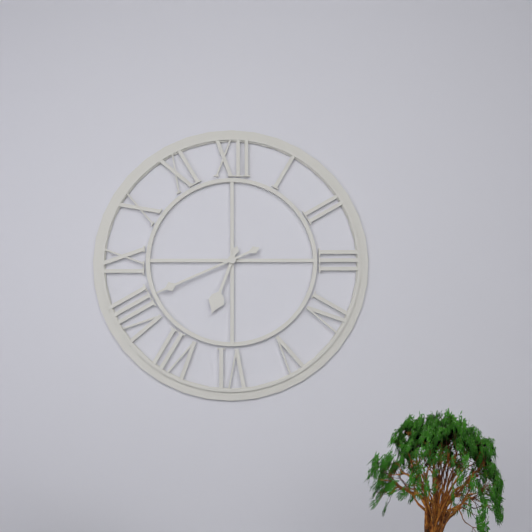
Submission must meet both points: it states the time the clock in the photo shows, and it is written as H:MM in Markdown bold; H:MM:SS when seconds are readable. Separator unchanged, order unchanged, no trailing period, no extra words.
**6:41**
